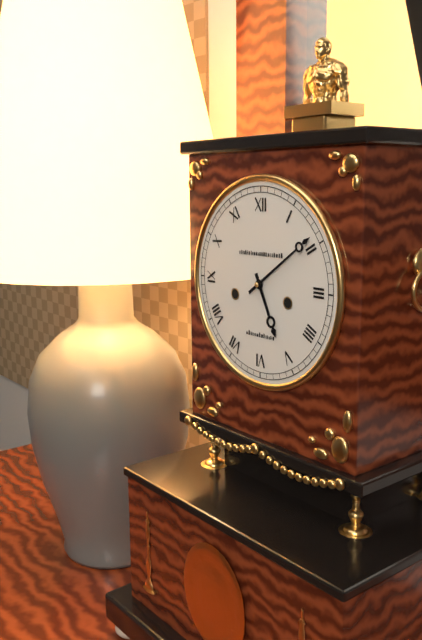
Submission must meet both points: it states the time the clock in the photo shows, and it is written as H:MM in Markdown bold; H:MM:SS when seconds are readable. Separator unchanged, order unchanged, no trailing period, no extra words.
**5:09**
